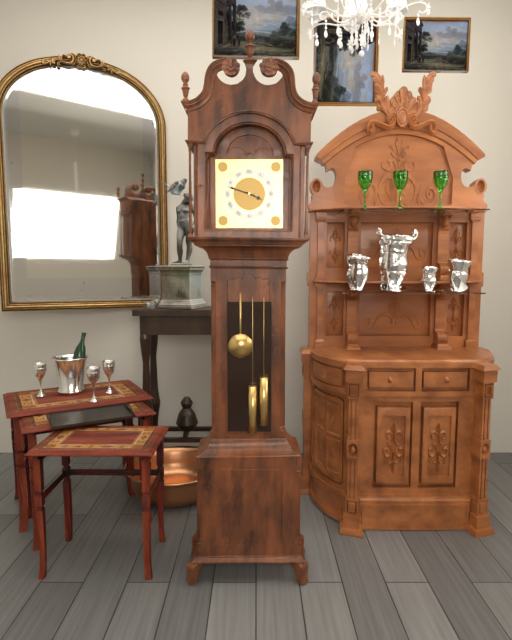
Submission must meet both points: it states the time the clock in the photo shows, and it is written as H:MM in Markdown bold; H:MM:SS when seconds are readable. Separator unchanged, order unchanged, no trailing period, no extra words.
**3:48**
